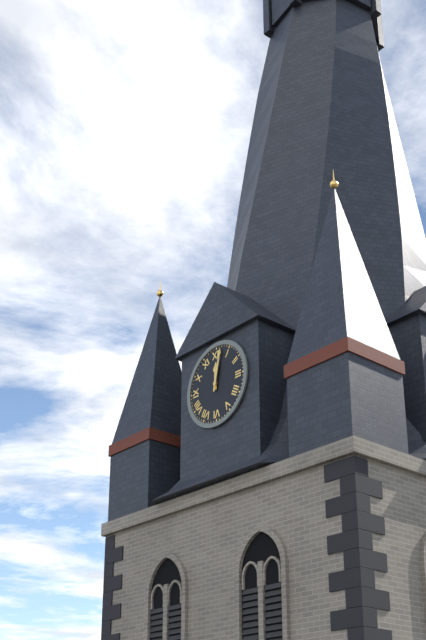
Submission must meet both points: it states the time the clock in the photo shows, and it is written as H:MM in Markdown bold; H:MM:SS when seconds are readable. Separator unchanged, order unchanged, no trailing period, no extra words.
**12:02**
